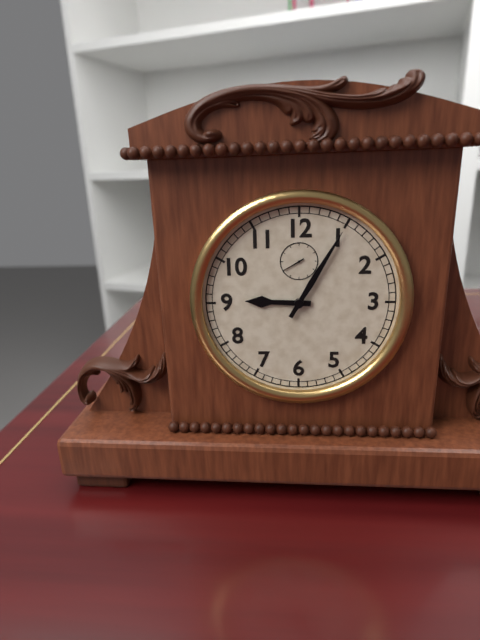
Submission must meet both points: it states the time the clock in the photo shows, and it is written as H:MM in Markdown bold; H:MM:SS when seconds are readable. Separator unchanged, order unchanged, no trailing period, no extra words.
**9:05**
